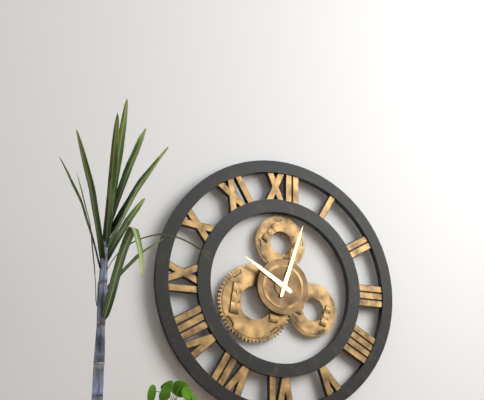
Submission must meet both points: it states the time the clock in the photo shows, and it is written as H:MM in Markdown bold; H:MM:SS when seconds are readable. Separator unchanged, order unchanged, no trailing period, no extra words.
**10:03**
